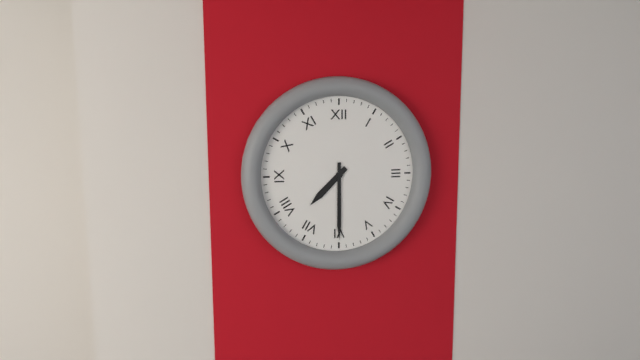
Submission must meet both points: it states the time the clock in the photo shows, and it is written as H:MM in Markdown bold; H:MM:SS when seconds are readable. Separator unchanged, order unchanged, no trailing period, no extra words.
**7:30**
